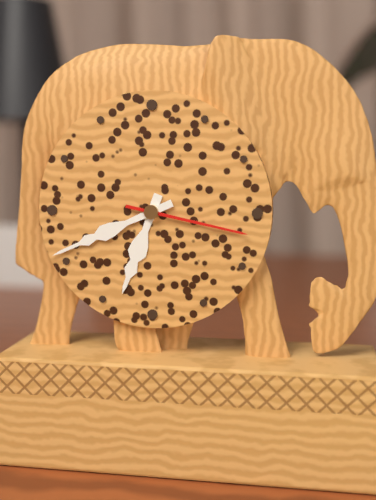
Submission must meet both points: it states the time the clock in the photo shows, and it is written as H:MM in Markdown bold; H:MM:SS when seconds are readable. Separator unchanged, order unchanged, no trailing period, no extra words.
**6:41:17**
